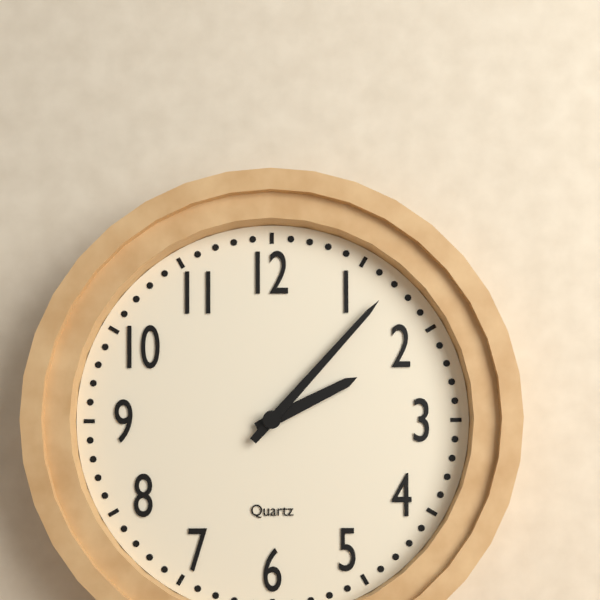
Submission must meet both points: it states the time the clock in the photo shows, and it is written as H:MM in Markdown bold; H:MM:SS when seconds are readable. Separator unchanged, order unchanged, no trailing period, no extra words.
**2:07**
